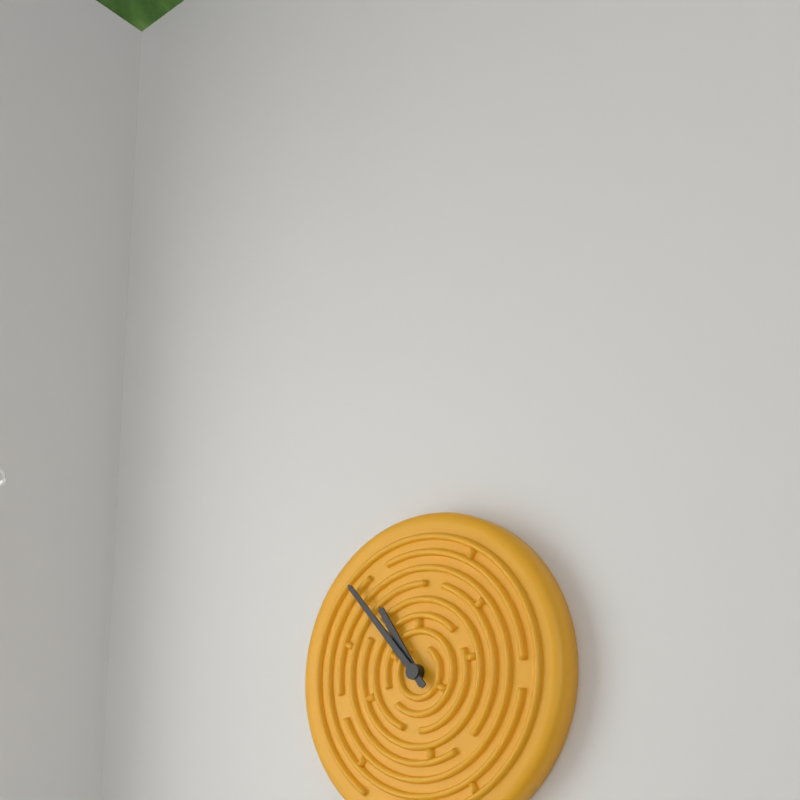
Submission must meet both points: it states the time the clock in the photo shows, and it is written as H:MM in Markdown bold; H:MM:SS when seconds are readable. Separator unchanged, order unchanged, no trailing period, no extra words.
**10:53**
